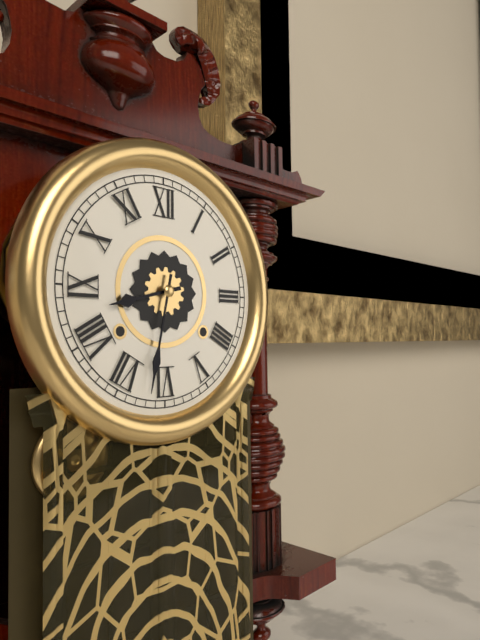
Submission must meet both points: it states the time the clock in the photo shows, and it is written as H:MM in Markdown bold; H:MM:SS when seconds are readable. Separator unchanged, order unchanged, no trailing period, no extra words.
**8:32**
